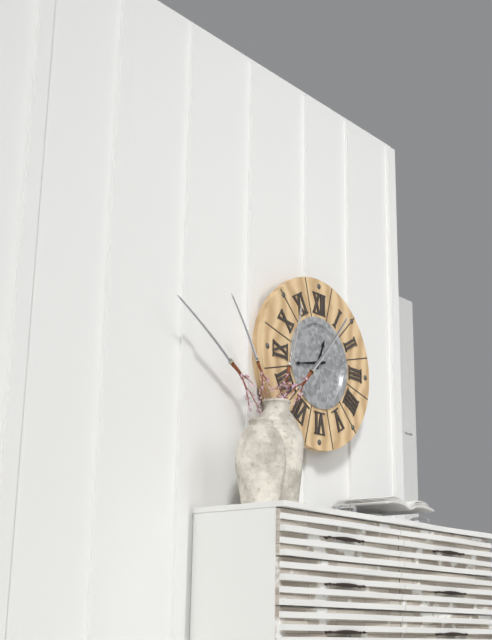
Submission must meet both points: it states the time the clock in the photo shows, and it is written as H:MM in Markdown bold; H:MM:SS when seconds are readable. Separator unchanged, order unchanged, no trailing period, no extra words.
**12:43**
